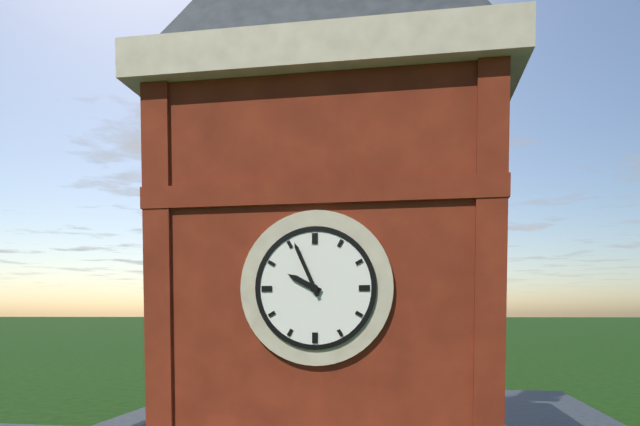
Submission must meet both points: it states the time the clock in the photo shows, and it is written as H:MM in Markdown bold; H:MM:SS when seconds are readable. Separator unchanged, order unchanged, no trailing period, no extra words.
**9:56**
